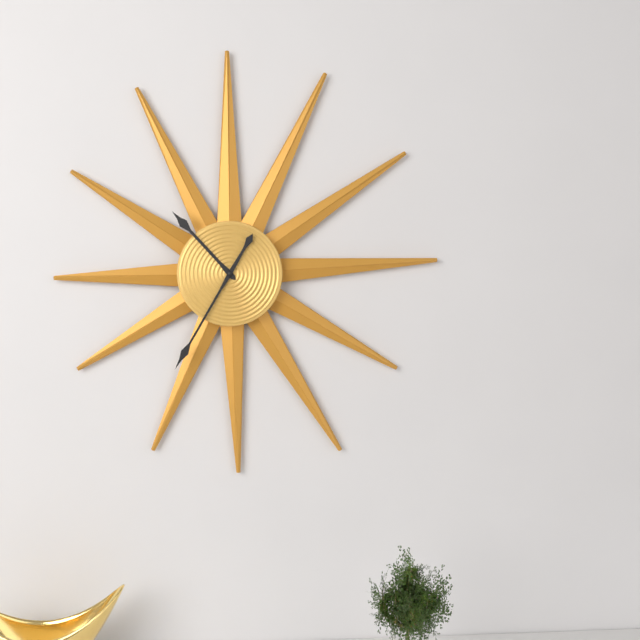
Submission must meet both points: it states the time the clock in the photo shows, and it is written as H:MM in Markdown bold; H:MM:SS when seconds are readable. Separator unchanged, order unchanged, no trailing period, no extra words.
**10:35**
